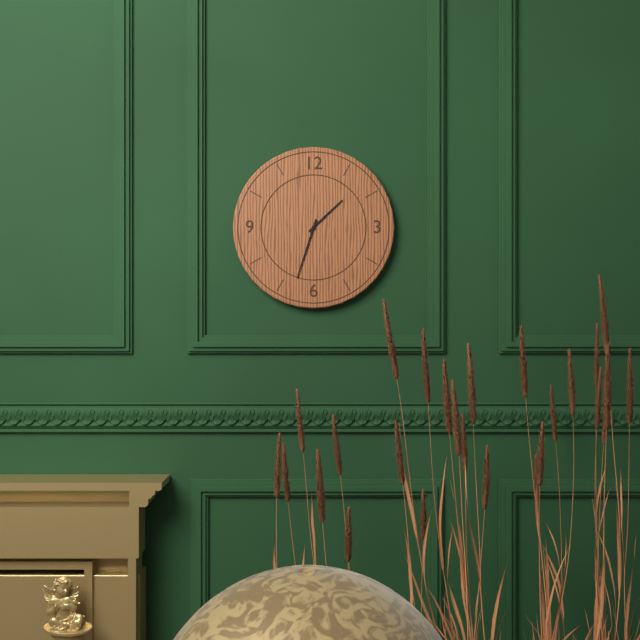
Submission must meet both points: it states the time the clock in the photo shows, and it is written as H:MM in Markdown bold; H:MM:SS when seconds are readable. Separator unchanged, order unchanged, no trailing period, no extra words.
**1:33**
